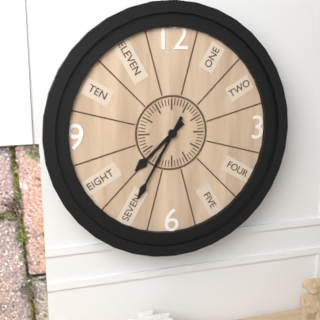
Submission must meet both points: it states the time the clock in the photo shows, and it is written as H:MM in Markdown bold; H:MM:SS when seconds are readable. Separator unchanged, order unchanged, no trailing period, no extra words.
**7:35**
